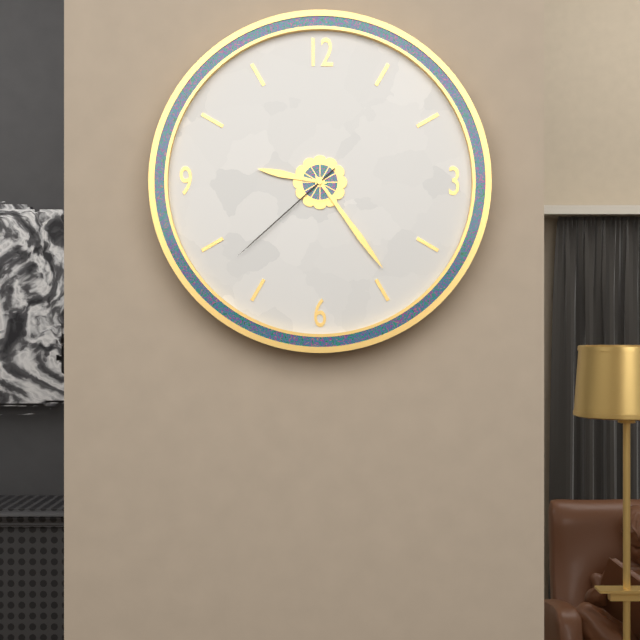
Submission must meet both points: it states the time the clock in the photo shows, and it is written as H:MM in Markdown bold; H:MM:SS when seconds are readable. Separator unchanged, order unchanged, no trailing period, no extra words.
**9:24:38**
